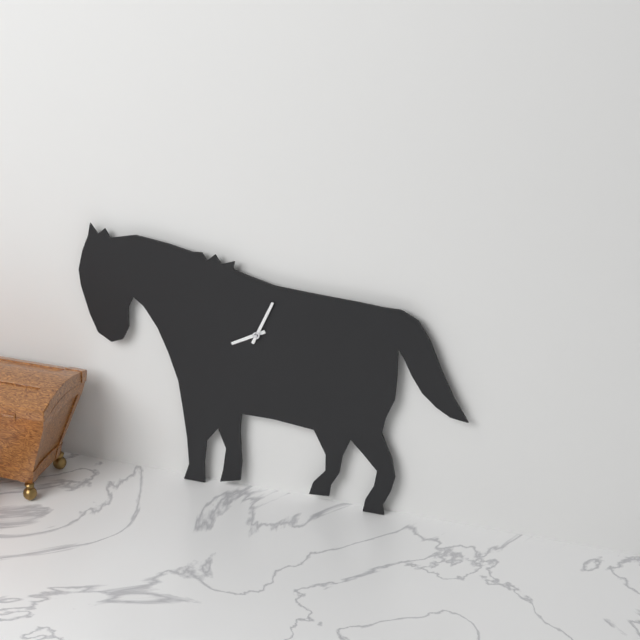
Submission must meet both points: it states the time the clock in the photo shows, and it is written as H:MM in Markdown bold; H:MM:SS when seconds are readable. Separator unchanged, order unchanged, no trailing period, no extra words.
**8:04**
